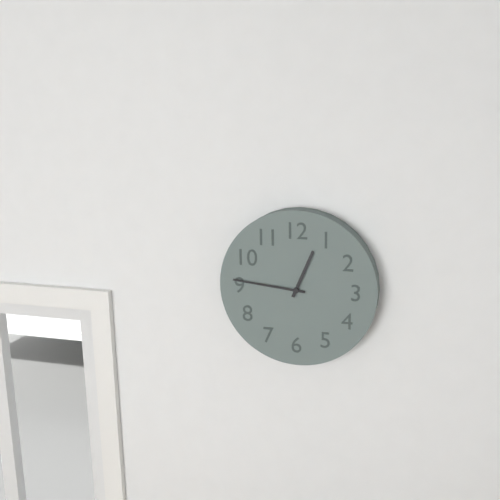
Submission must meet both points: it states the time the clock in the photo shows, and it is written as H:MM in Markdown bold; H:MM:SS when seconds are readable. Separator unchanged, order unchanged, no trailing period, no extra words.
**12:46**
